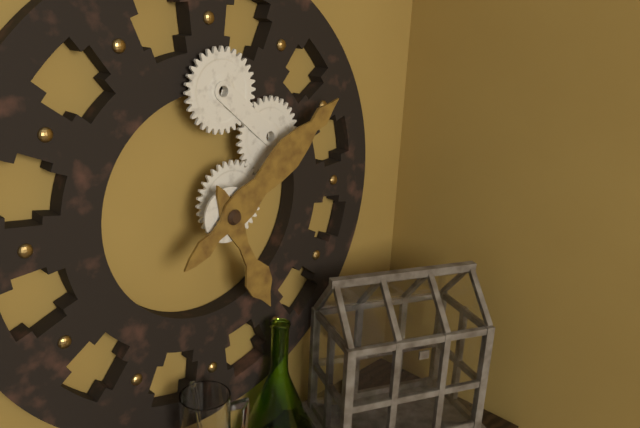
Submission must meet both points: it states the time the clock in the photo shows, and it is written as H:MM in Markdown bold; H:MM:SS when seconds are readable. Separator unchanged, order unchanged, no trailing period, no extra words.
**5:09**
